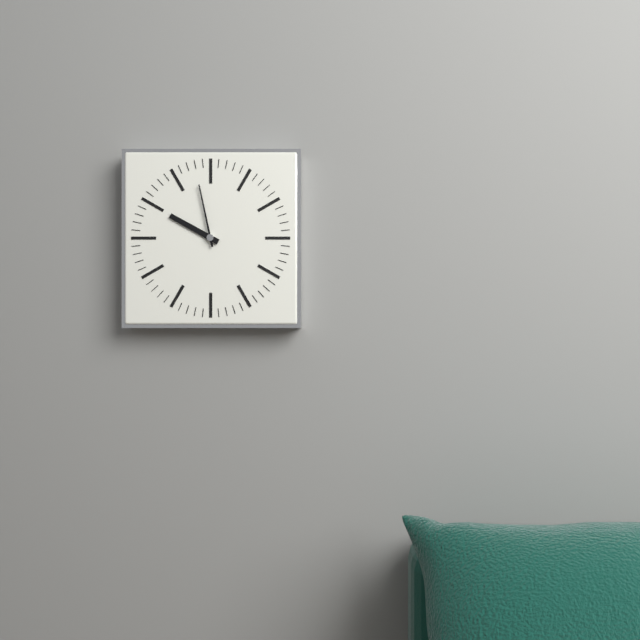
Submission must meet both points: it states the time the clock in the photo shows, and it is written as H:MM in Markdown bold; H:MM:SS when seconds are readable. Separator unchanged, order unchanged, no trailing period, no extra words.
**9:58**
